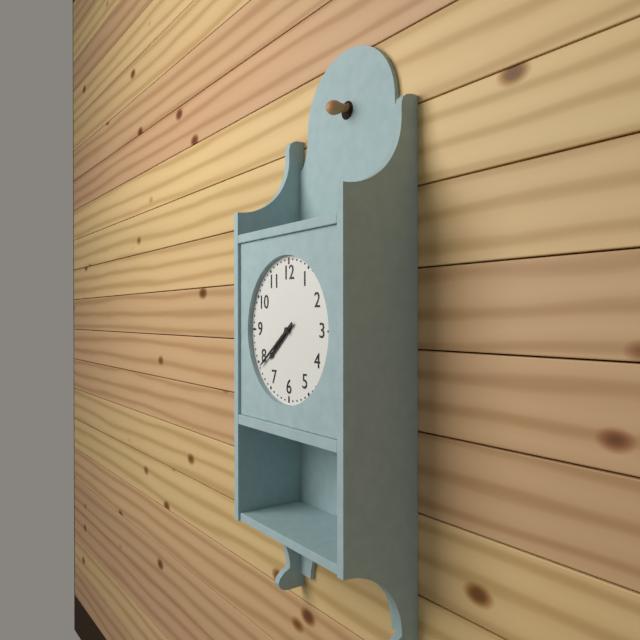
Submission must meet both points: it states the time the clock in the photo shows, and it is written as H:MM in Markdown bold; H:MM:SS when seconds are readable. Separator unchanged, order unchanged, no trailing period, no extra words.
**7:39**
